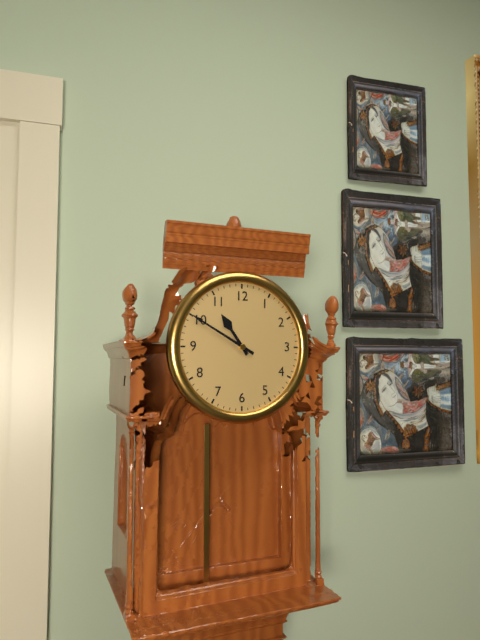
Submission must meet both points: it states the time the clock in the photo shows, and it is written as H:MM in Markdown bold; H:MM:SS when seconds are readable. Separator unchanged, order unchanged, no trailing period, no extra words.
**10:50**
